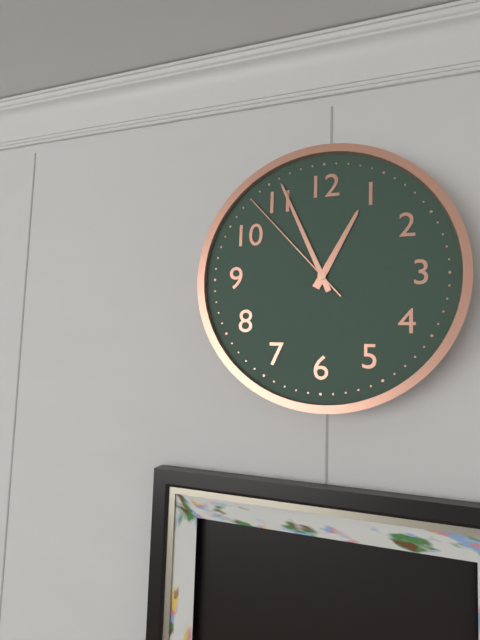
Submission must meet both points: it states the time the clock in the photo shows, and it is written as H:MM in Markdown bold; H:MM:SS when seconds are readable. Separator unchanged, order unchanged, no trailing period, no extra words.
**12:56:53**
